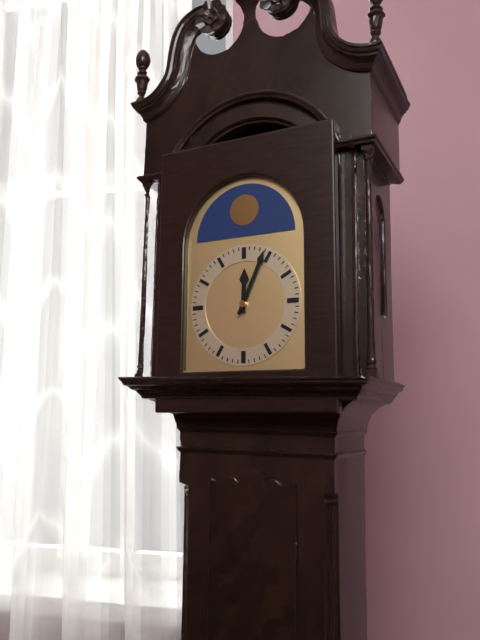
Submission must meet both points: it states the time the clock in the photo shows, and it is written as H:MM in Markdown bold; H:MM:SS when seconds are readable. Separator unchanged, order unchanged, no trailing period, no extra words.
**12:04**
